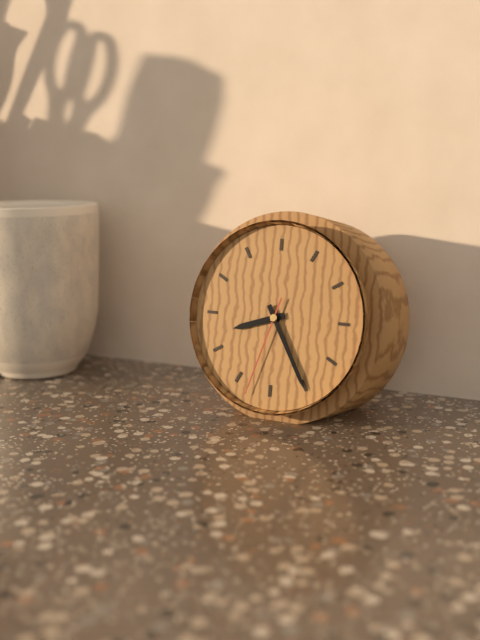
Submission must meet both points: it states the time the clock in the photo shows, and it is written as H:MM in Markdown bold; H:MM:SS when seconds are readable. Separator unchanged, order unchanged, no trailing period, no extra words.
**8:25:33**
